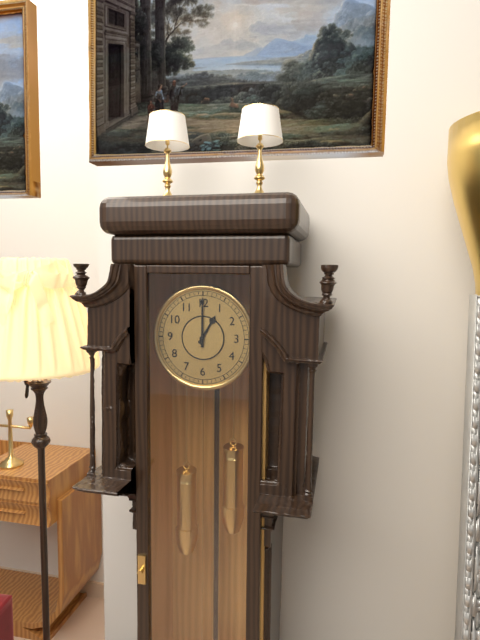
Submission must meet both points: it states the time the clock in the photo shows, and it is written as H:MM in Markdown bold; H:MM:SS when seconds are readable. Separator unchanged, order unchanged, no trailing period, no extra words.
**1:00**
